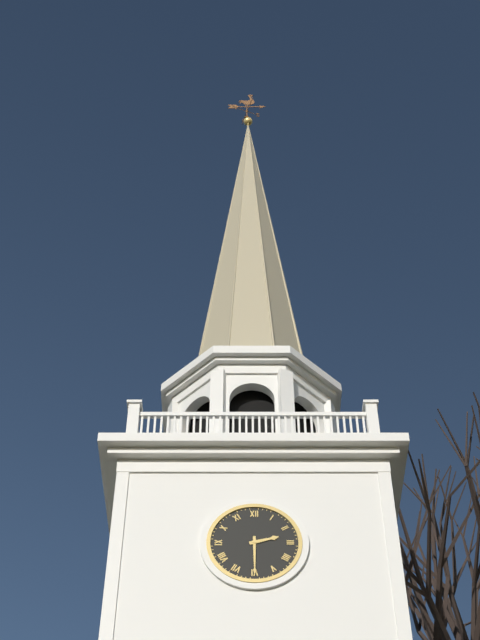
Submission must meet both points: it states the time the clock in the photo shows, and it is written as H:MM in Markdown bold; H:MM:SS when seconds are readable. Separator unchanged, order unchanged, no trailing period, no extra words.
**2:30**
